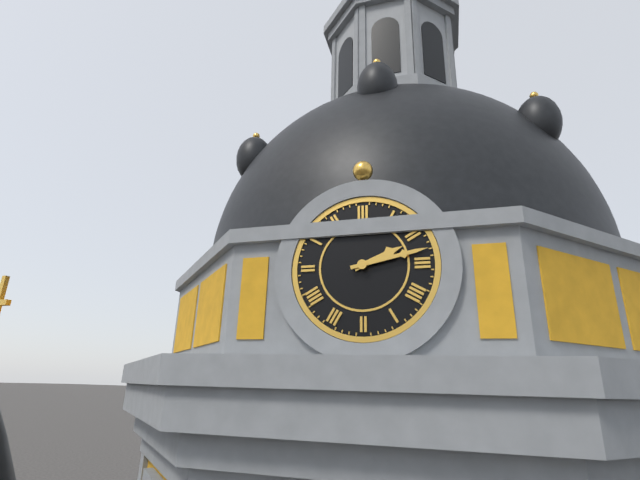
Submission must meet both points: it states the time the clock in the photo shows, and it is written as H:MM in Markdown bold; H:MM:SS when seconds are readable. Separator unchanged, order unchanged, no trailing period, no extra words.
**2:13**
